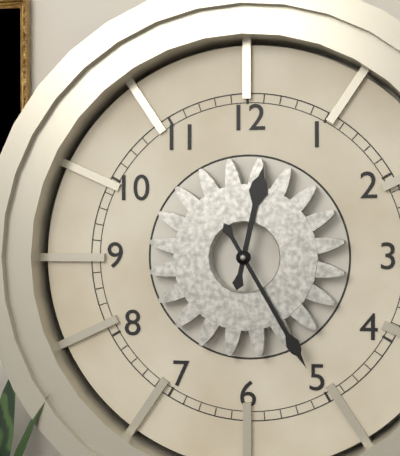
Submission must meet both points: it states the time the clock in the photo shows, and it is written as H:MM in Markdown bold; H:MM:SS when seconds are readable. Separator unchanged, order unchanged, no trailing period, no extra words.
**12:25**
